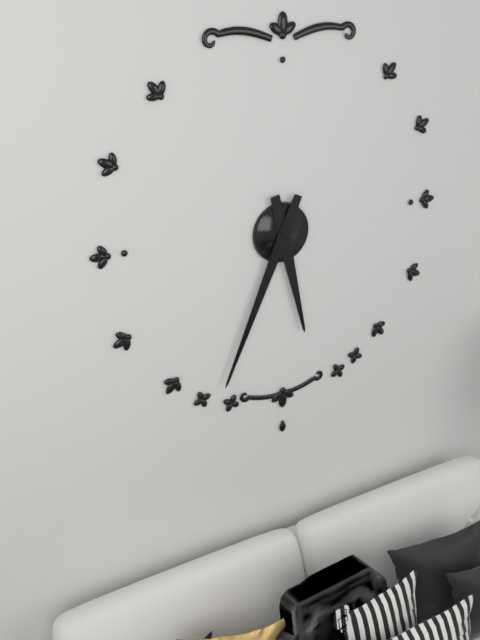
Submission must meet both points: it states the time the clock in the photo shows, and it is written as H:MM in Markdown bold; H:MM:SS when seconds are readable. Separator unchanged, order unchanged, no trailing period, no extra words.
**5:34**
